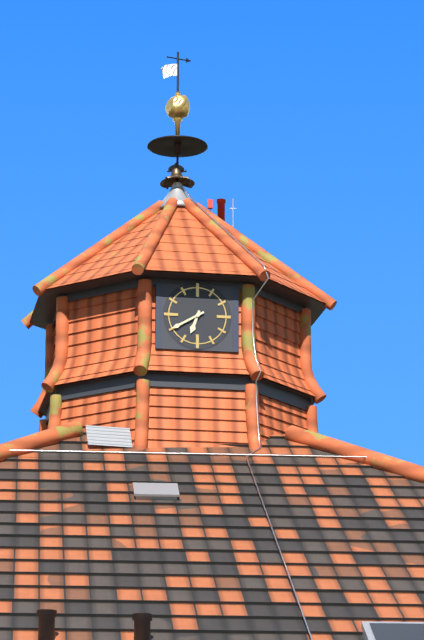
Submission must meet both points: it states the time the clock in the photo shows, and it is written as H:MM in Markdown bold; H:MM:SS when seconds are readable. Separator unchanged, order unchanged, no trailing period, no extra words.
**6:40**
